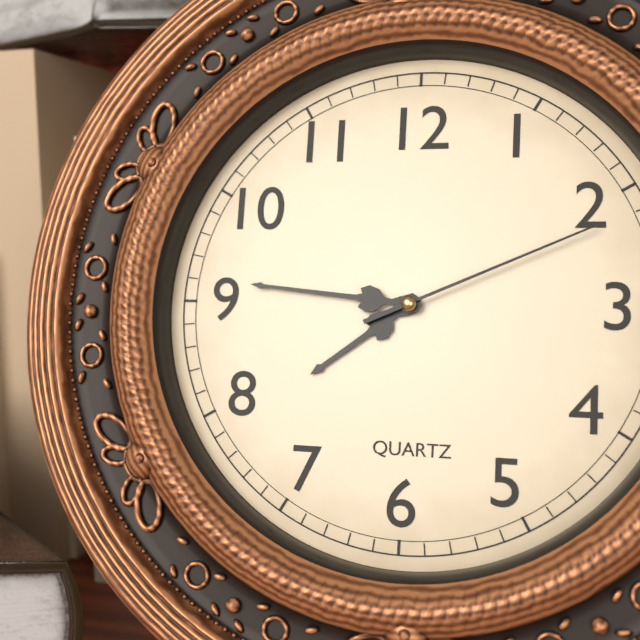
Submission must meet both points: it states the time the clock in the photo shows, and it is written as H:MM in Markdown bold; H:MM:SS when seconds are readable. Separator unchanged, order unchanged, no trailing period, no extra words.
**7:46:11**
